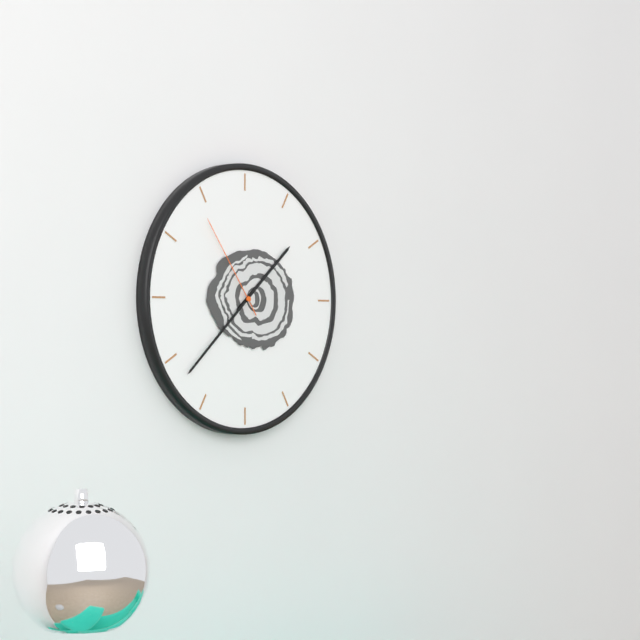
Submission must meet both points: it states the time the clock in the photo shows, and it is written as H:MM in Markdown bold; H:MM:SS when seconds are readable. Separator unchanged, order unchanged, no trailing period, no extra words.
**1:38:54**
